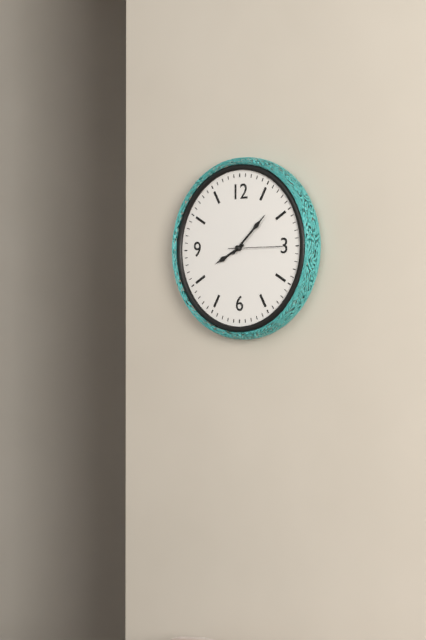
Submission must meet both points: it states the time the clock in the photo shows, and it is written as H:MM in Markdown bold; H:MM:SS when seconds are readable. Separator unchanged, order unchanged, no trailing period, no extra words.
**8:08**
